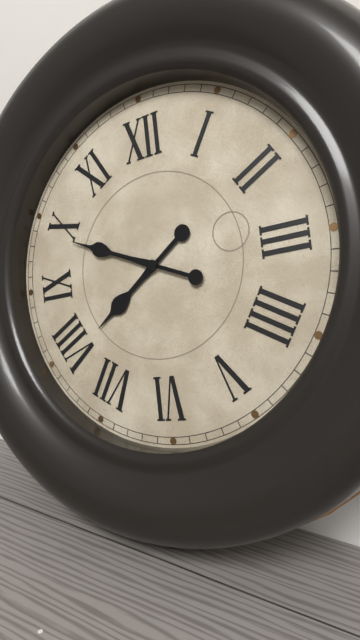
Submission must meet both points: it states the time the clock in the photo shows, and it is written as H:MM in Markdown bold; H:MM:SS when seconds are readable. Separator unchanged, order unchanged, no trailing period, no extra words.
**7:49**
